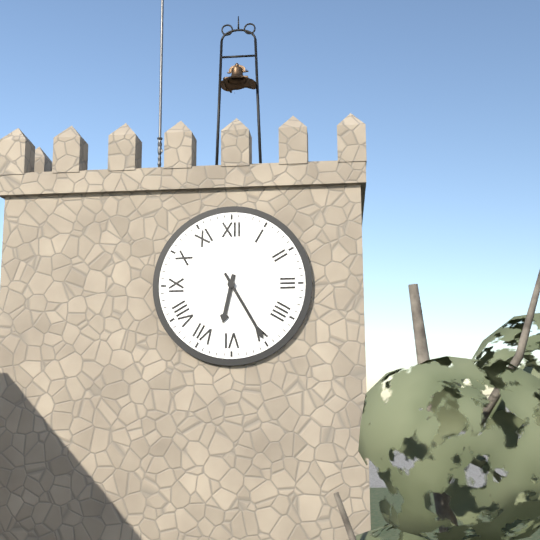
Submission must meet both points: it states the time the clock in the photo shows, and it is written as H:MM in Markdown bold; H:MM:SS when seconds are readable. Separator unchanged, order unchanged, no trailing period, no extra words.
**6:25**
